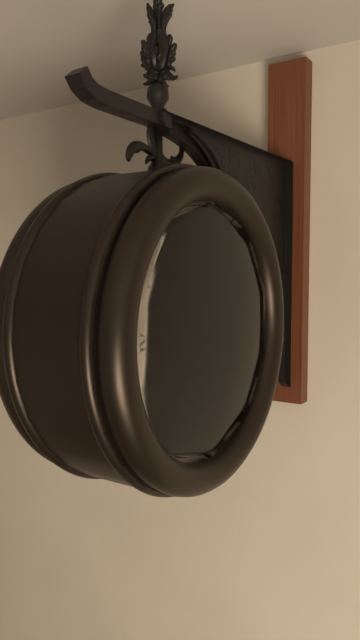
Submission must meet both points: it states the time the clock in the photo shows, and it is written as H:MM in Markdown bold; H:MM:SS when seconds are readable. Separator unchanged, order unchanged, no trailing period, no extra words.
**8:02:42**
